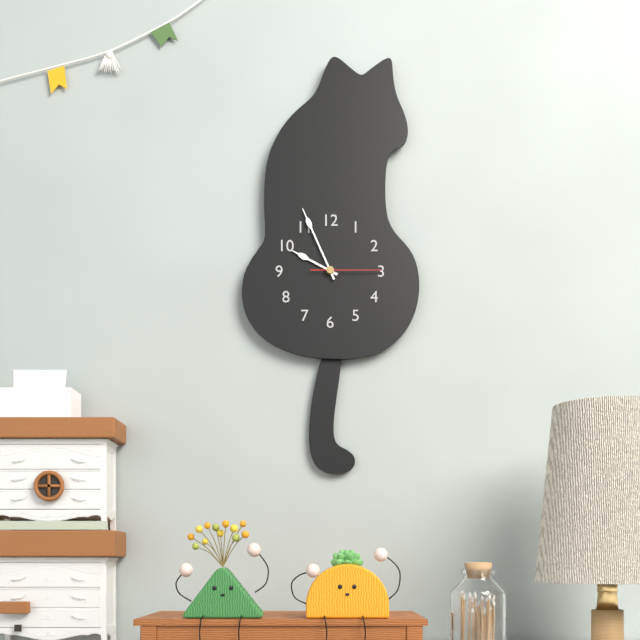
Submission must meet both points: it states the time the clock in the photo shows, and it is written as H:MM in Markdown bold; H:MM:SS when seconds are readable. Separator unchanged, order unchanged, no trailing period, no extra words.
**9:56:15**
